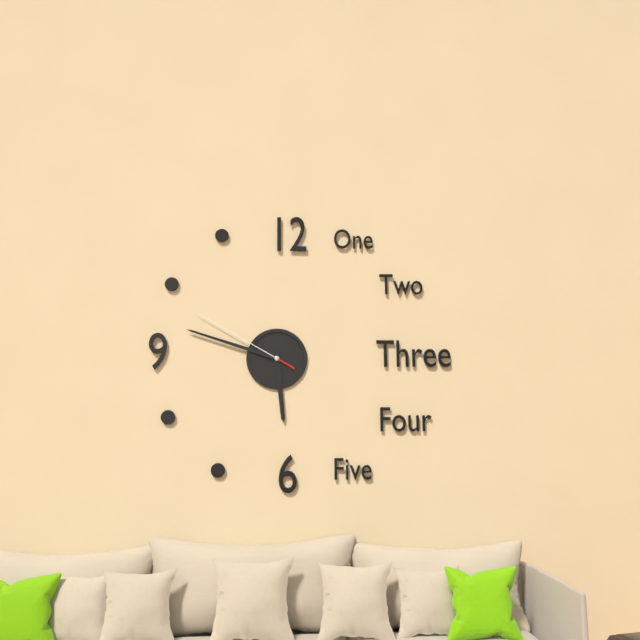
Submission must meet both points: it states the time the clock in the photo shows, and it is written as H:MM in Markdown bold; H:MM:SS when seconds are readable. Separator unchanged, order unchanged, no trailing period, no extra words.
**5:48:50**
